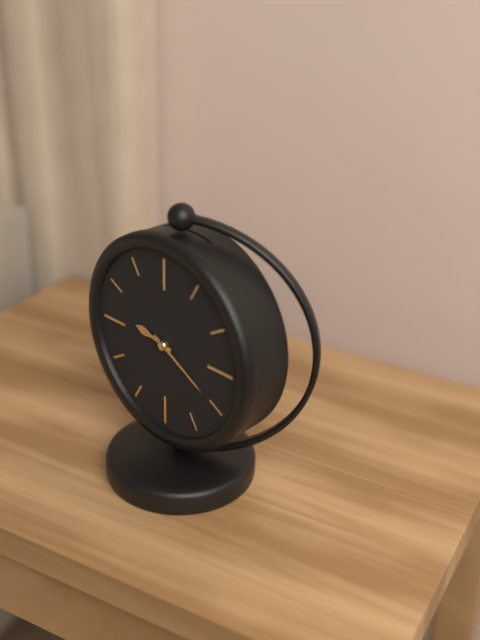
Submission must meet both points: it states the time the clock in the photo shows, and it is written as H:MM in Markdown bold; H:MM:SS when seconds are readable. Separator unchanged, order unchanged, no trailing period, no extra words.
**9:20**
